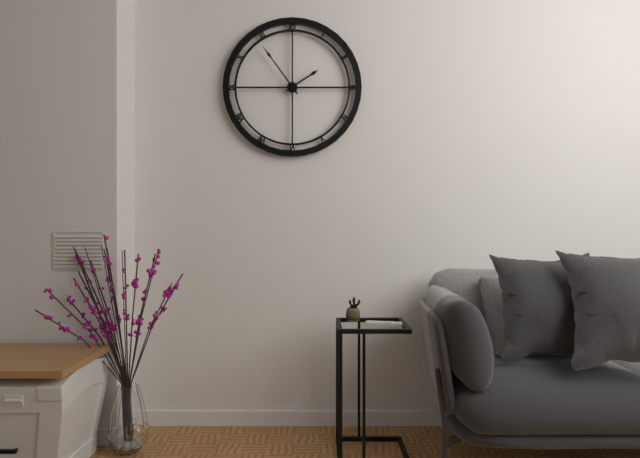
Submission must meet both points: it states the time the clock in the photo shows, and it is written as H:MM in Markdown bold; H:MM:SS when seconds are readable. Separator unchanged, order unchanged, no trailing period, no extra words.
**1:54**
